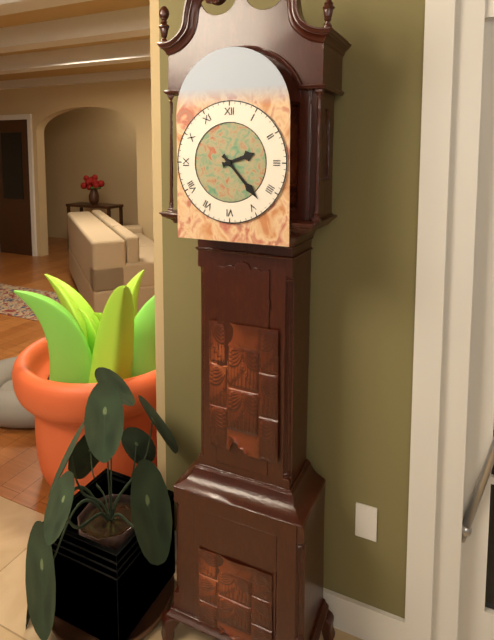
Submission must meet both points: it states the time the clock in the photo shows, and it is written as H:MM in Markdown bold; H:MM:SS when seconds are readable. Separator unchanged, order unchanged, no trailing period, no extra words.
**2:23**
